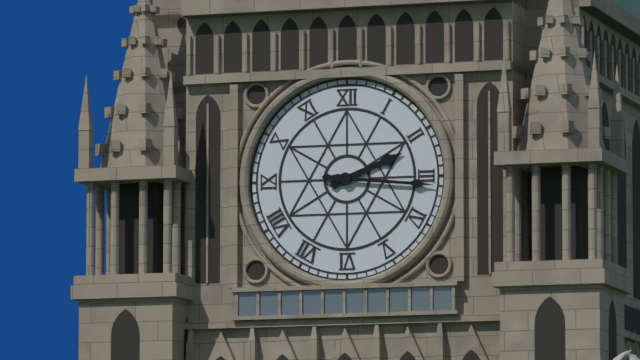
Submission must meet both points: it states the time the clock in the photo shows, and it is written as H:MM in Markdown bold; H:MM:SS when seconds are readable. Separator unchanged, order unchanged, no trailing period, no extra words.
**2:16**
